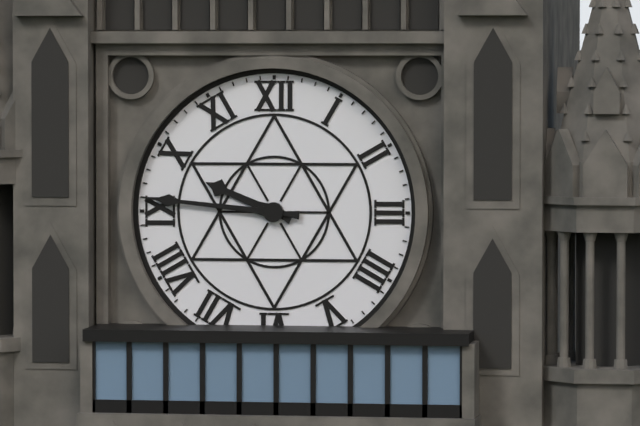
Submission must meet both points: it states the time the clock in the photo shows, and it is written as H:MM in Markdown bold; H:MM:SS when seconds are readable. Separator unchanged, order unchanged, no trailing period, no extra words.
**9:46**
